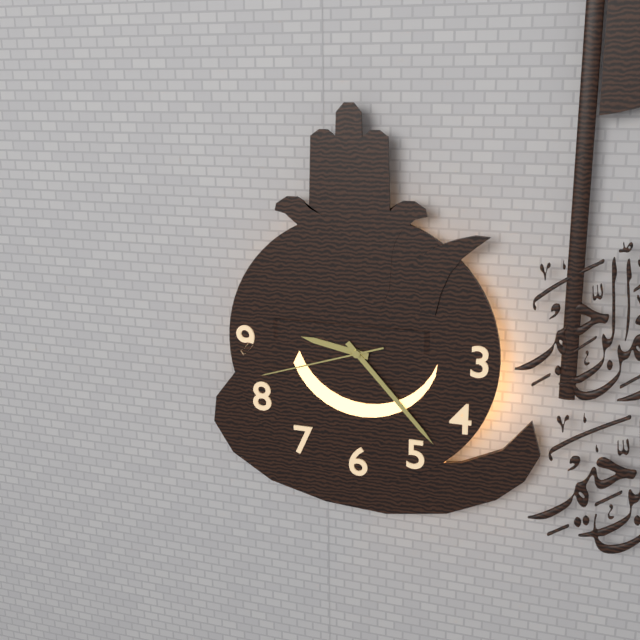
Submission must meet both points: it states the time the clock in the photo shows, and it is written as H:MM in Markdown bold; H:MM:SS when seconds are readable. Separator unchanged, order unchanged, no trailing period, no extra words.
**9:23:42**
